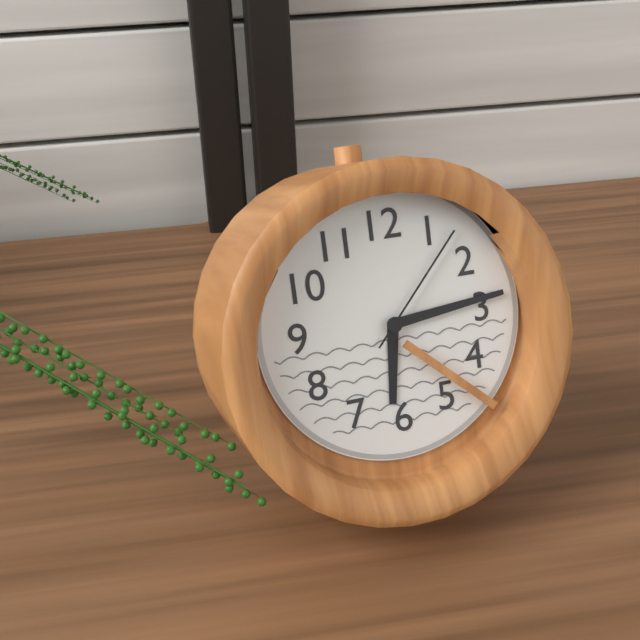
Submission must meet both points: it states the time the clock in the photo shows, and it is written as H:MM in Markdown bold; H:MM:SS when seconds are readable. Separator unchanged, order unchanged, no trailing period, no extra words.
**6:14:07**
